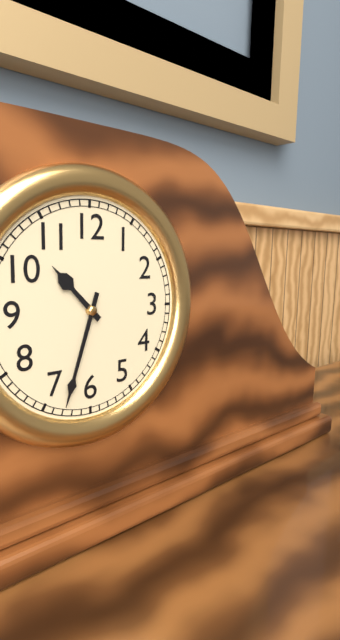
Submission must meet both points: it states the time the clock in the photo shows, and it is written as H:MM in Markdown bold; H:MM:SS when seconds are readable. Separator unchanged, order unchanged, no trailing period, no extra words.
**10:33**
